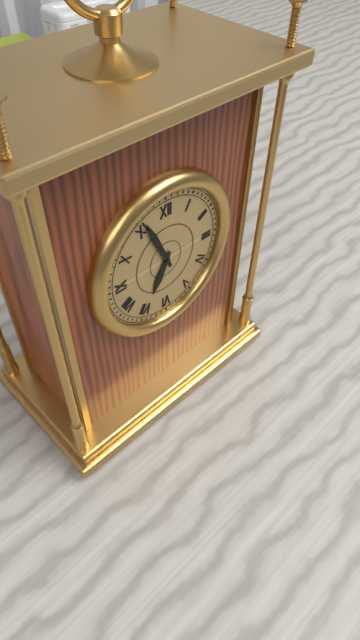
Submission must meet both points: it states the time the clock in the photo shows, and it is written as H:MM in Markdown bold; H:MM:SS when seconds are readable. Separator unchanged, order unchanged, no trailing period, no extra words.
**6:56**
